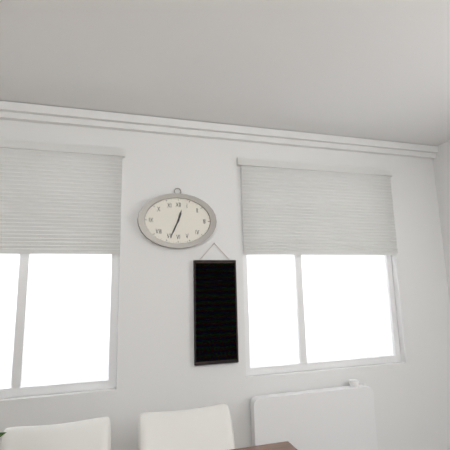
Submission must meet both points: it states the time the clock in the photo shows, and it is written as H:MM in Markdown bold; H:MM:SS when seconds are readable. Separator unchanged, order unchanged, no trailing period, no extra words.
**12:34**
